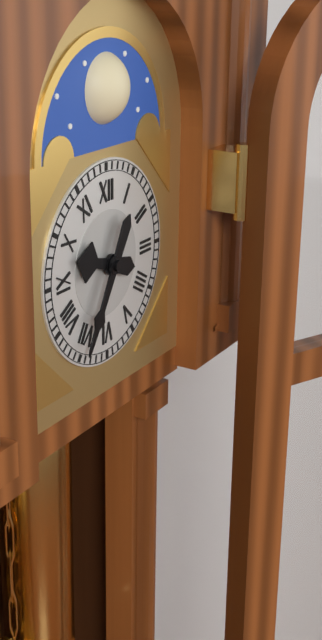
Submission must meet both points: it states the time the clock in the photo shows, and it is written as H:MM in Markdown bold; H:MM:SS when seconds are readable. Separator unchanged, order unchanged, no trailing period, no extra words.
**9:35**
